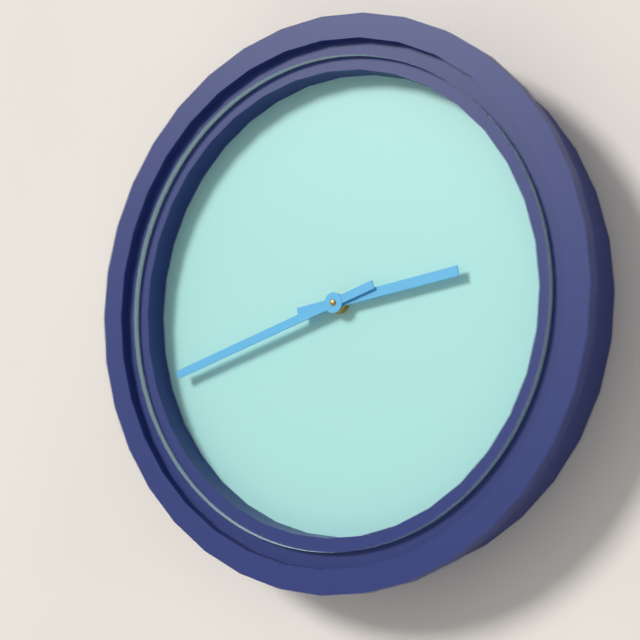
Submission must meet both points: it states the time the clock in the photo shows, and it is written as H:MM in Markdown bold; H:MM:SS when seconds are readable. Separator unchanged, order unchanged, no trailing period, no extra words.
**2:42**
